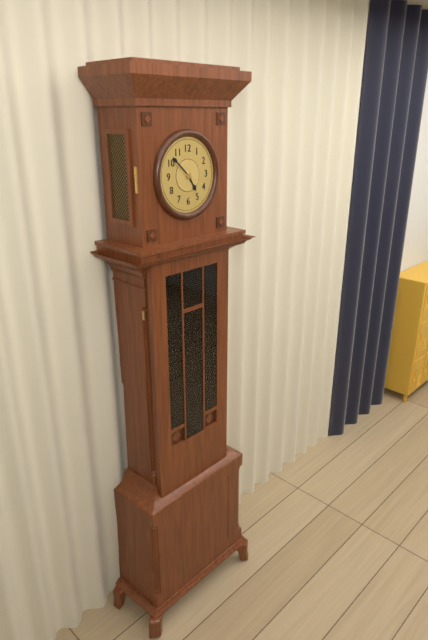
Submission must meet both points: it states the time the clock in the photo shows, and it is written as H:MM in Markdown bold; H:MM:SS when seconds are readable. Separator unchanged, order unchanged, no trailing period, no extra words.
**4:52**
